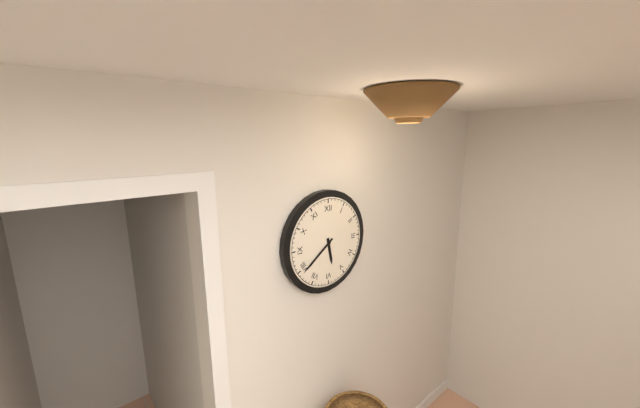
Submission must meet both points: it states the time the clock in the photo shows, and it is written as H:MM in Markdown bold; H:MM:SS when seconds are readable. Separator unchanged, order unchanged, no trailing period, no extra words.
**5:39**
